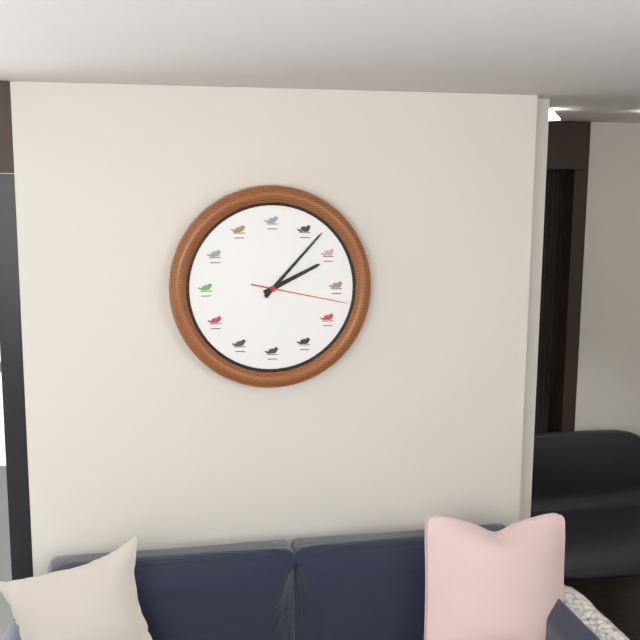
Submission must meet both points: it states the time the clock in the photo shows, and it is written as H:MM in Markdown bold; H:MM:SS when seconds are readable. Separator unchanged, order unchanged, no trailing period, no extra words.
**2:07:17**
